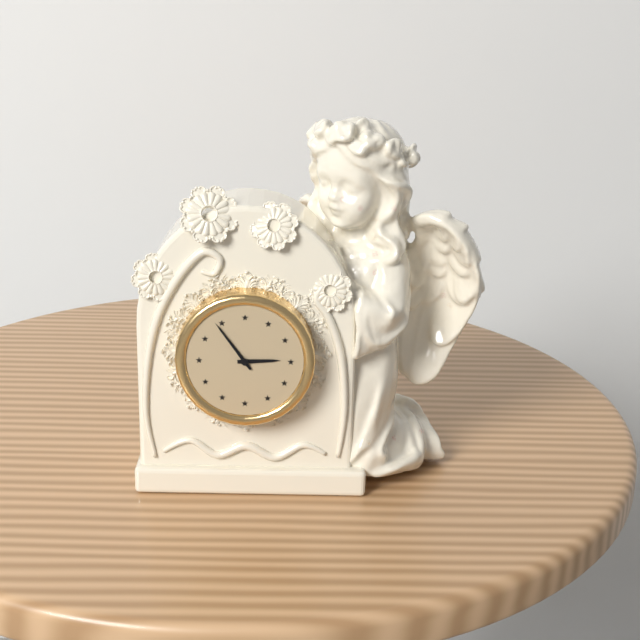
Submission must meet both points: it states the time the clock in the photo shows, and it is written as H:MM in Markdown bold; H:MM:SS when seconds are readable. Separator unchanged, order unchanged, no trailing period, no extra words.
**2:54**
